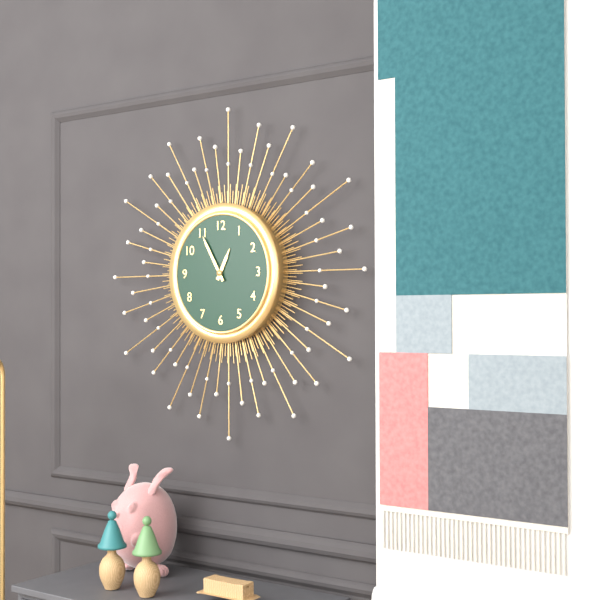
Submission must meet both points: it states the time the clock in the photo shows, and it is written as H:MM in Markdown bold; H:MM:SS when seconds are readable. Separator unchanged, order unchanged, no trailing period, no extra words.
**12:55**
